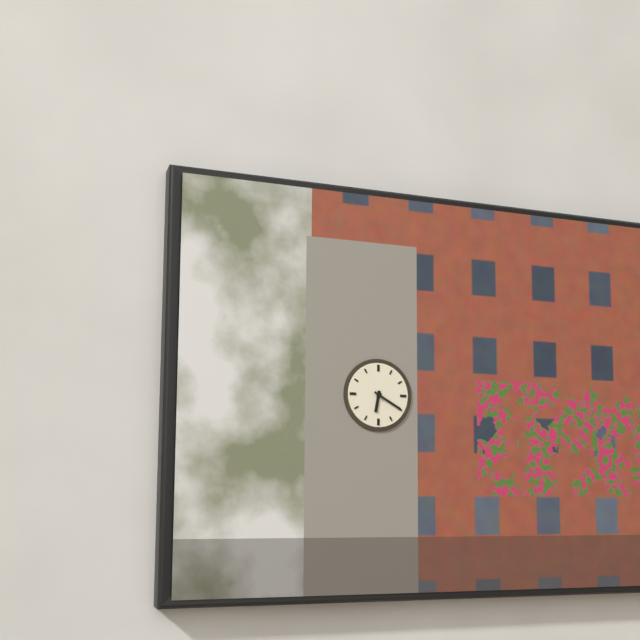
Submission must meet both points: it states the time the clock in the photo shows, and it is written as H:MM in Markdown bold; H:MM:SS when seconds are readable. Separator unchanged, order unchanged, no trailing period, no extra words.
**6:20**
